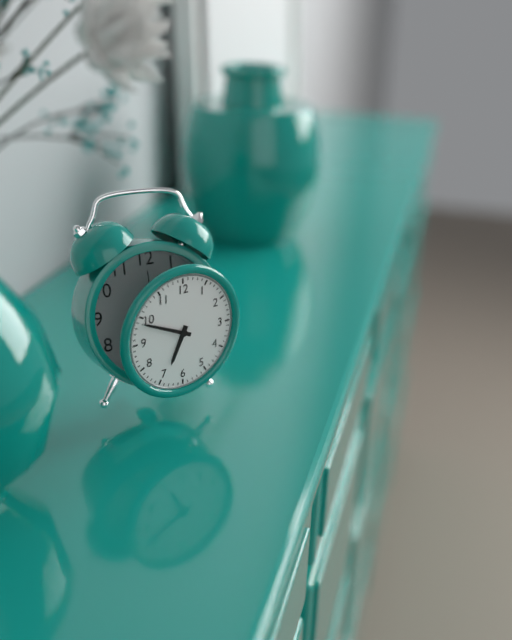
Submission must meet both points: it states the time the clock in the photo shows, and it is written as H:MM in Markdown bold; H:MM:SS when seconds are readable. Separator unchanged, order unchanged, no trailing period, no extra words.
**6:49**
